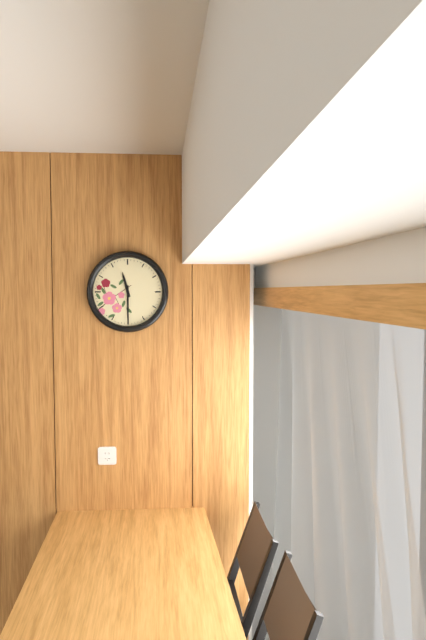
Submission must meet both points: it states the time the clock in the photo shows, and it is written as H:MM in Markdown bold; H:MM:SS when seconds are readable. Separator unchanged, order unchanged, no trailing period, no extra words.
**11:30**
